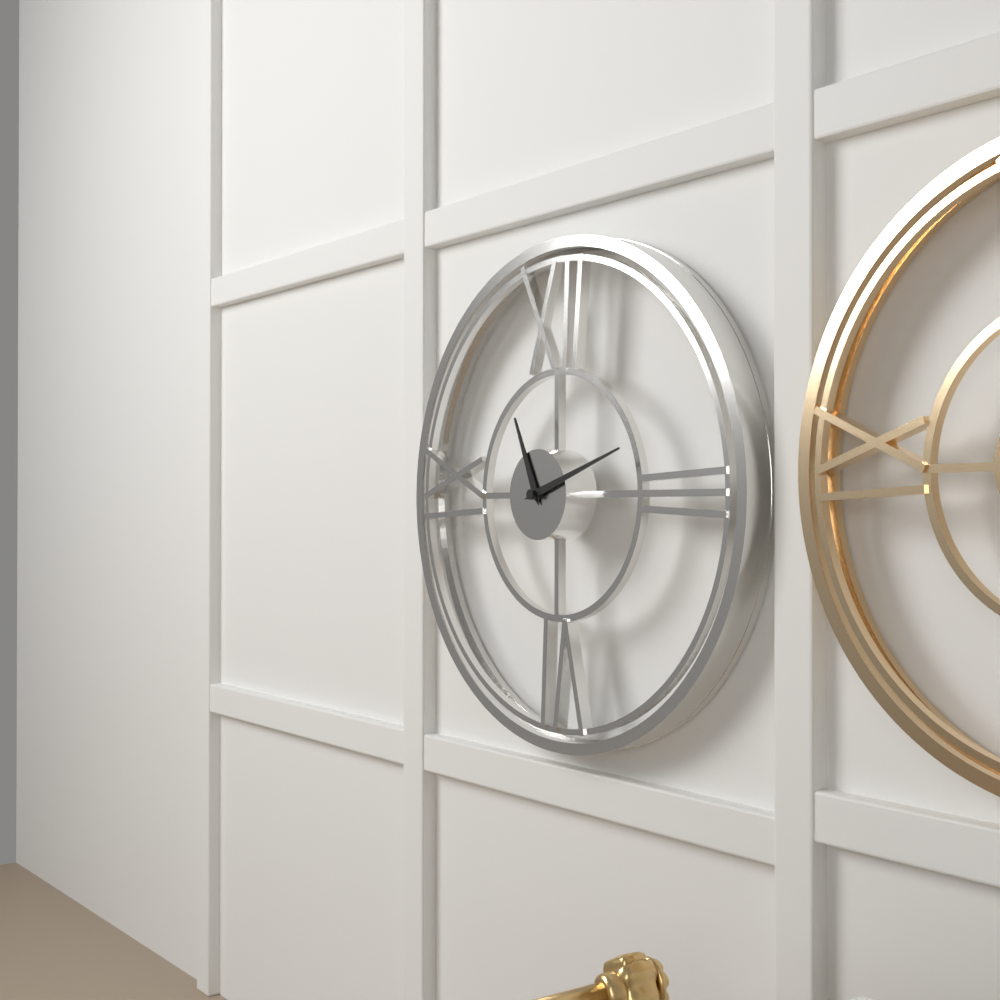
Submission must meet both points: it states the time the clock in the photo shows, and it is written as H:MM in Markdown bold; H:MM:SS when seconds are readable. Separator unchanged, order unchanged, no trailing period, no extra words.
**11:12**
